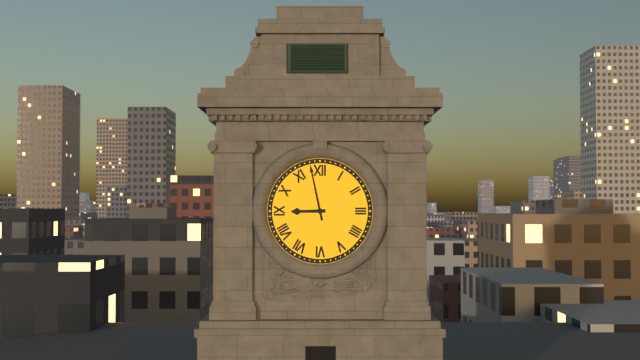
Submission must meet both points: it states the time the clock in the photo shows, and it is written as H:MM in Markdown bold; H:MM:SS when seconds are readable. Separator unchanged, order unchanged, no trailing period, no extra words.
**8:58**
